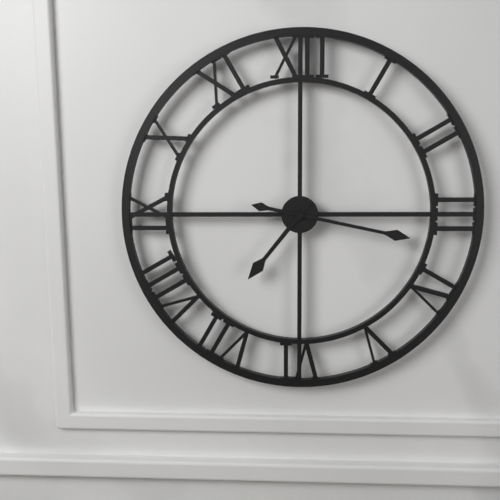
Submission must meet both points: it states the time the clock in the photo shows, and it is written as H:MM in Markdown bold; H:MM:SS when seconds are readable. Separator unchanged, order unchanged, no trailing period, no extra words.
**7:17**
